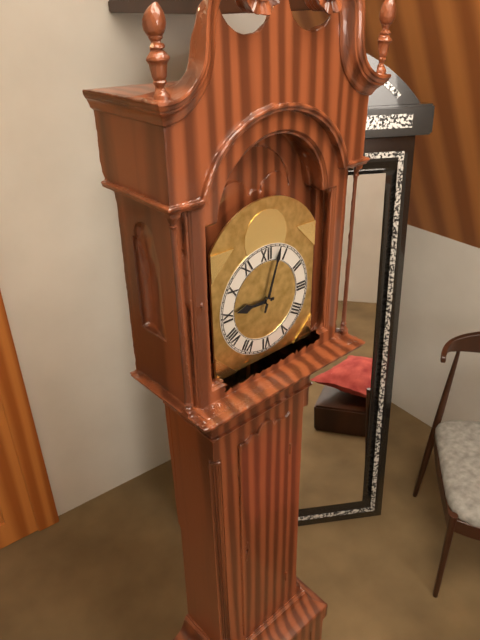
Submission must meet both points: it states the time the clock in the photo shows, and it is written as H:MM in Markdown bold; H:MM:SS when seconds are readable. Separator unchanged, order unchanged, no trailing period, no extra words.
**9:03**
